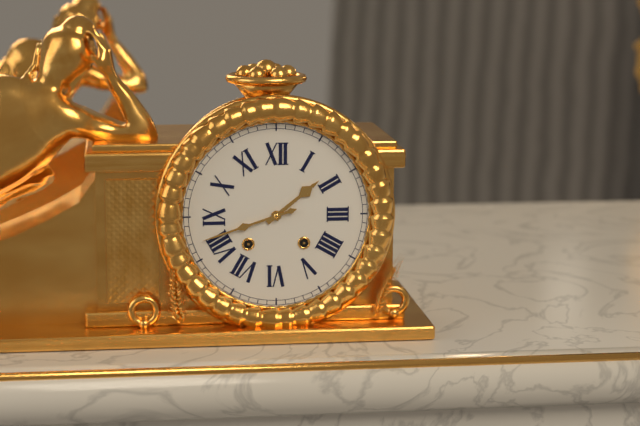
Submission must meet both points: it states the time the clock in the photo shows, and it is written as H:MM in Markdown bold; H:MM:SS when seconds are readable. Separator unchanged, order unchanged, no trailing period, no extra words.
**1:42**
